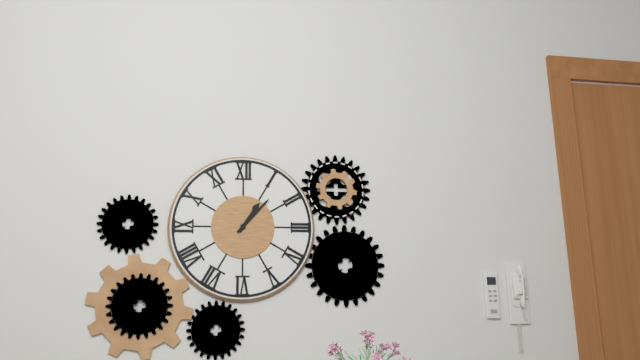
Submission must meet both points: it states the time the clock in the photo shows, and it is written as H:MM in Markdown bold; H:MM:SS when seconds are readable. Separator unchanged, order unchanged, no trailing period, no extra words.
**1:07**
